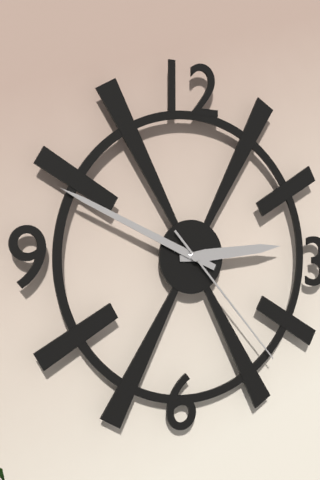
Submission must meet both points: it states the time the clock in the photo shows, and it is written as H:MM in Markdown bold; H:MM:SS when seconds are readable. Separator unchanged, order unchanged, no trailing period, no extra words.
**2:49:23**
